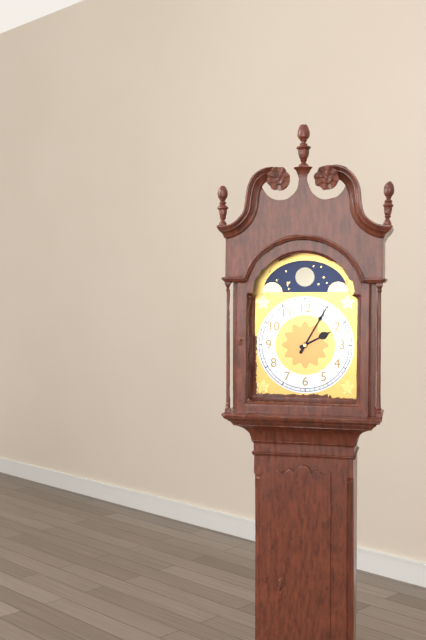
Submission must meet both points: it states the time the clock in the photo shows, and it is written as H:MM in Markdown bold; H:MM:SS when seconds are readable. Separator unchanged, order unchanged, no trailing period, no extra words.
**2:05**
